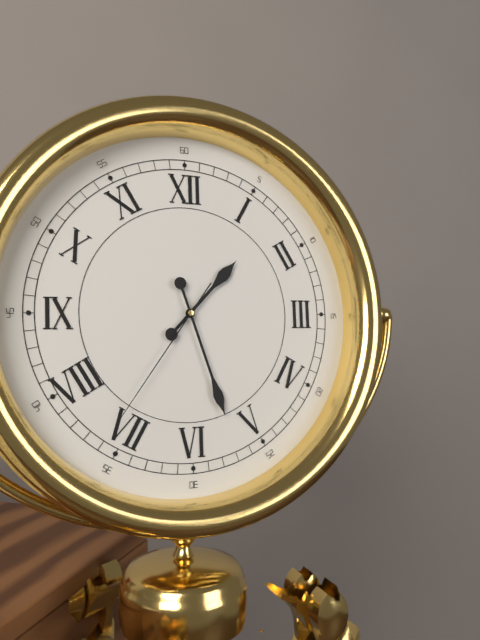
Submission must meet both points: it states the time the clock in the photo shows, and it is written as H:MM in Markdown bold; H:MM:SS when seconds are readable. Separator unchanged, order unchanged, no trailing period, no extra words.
**1:27:36**
